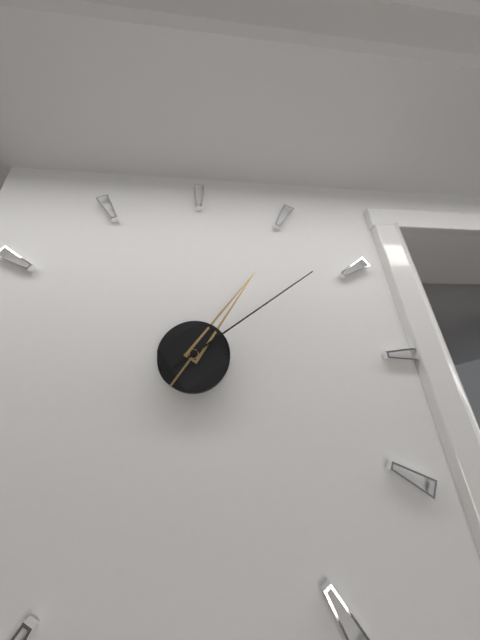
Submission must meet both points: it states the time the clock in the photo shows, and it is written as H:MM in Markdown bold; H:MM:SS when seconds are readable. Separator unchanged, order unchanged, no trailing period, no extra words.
**1:09**
